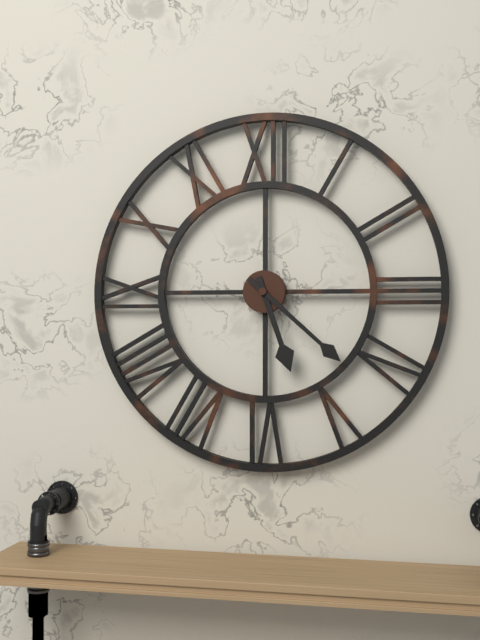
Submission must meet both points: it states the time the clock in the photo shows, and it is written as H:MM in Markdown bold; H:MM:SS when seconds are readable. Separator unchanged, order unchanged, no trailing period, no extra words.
**5:22**
